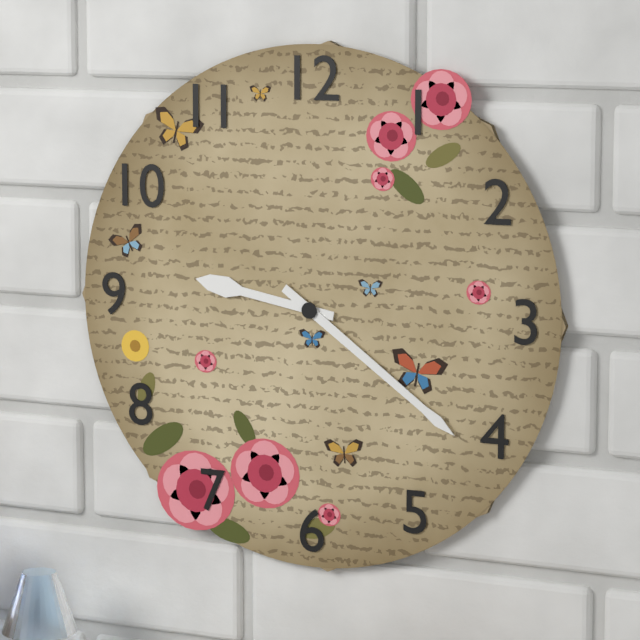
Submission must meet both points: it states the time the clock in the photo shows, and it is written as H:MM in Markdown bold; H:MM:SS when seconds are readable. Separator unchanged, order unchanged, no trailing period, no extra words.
**9:21**
